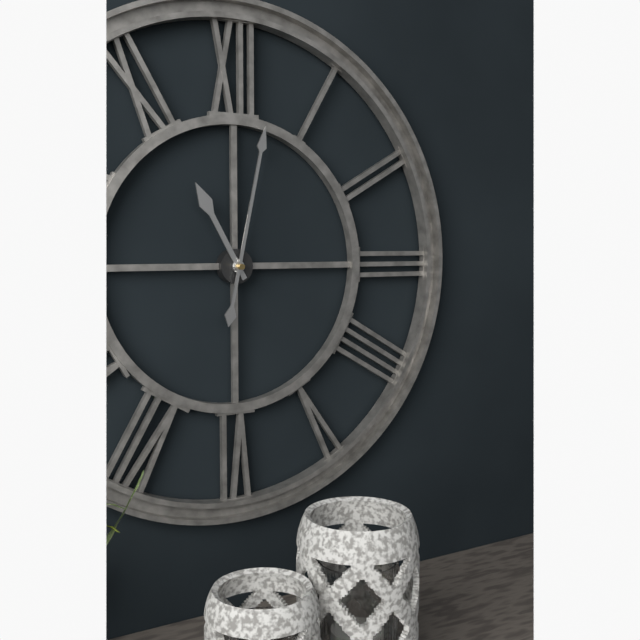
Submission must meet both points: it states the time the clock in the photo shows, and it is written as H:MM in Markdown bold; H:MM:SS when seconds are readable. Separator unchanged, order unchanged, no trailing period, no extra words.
**11:02**
